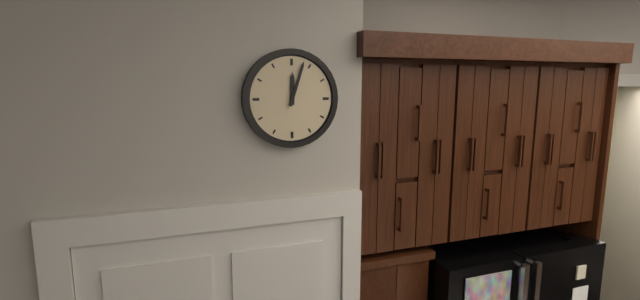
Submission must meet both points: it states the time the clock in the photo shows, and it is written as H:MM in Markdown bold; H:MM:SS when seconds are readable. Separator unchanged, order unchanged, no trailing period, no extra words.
**12:03**
